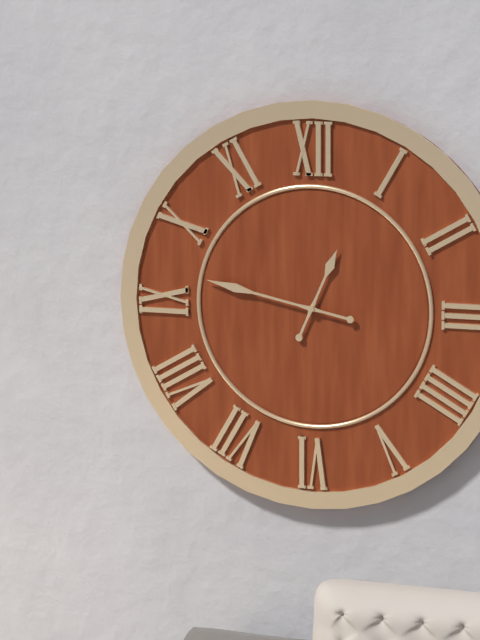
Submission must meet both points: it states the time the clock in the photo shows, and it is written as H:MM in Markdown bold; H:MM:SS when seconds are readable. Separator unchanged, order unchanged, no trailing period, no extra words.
**12:47**
